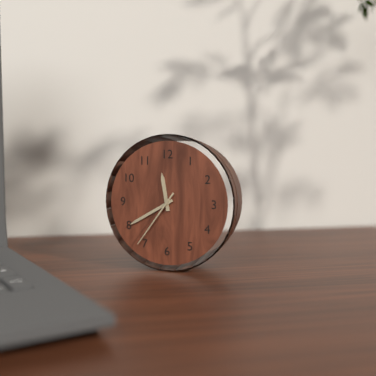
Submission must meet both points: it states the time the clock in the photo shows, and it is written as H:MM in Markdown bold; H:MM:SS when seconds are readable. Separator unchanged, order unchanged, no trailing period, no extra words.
**11:40:36**
